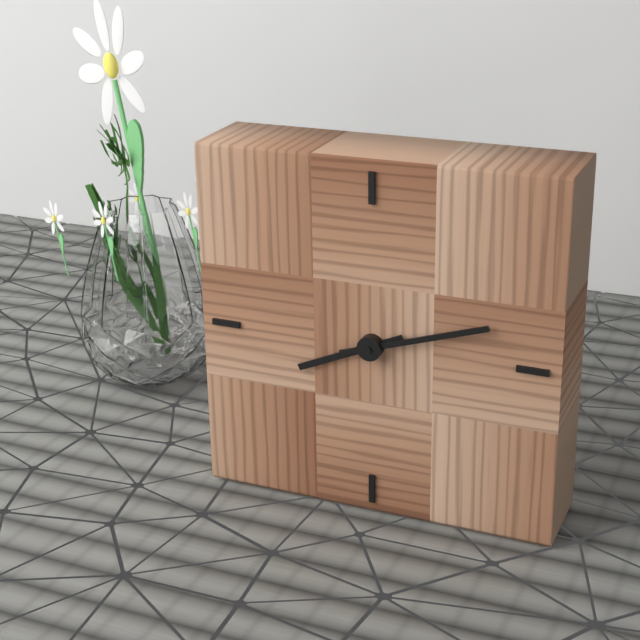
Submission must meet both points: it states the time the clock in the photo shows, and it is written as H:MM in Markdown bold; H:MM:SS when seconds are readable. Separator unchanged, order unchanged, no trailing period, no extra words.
**8:12**
